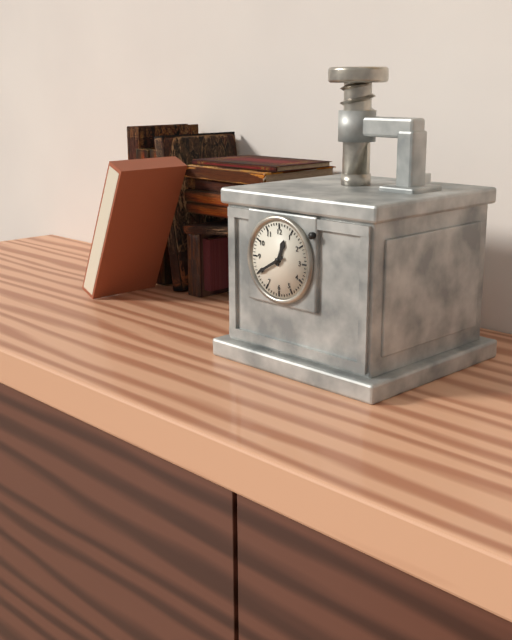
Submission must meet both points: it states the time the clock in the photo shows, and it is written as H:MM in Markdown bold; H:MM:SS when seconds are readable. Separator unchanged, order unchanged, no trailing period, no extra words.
**12:40**
